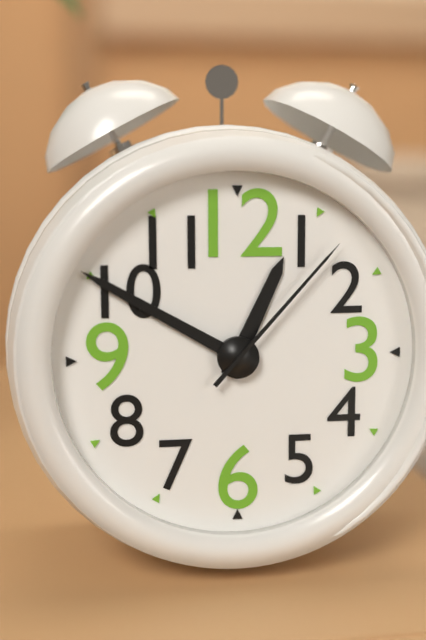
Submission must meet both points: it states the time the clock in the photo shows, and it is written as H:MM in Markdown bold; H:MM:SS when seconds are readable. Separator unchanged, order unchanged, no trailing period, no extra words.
**12:50:07**
